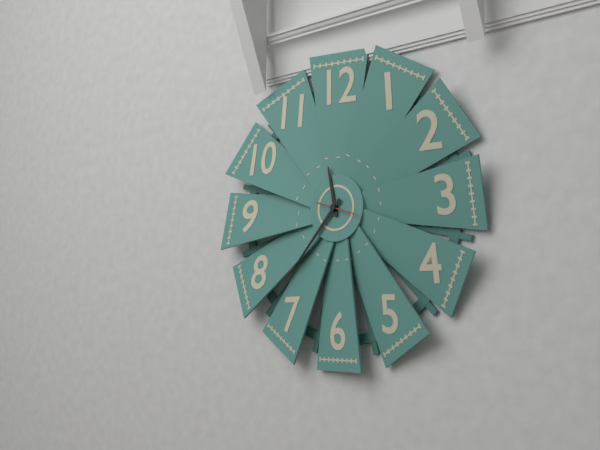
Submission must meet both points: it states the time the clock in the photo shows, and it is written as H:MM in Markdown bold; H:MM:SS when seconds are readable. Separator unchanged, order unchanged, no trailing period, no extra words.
**11:37**
